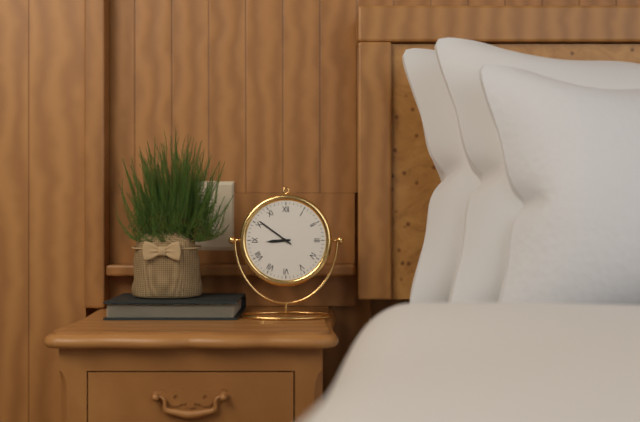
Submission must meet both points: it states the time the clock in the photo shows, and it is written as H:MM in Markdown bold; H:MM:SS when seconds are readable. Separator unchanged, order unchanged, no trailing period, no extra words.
**8:51**
